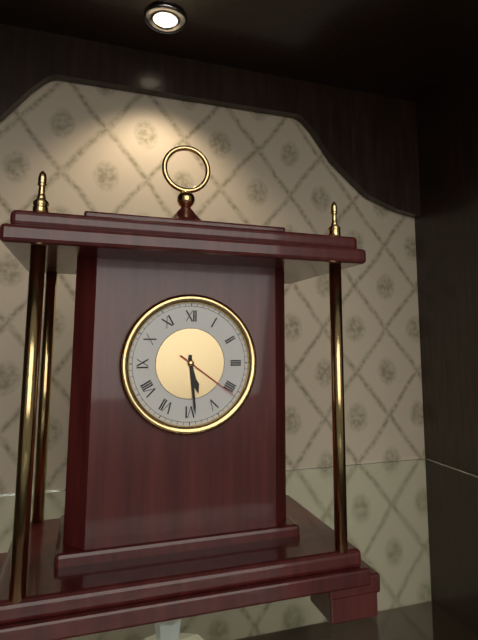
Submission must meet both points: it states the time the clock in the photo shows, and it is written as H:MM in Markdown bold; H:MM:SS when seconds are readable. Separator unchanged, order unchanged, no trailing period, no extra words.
**5:29:21**
